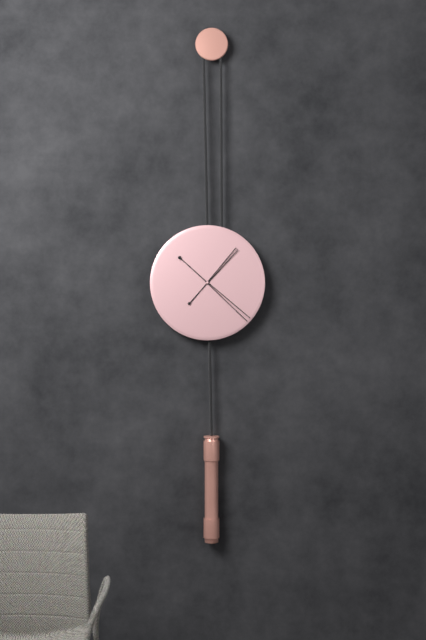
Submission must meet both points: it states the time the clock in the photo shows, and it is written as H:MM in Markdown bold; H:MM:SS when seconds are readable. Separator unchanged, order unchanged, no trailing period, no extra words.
**1:22**
